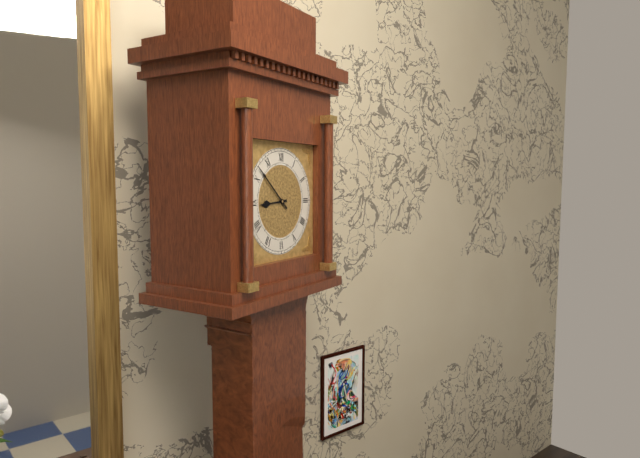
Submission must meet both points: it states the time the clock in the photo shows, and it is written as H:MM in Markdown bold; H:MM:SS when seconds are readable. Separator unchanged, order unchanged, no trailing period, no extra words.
**8:52**
